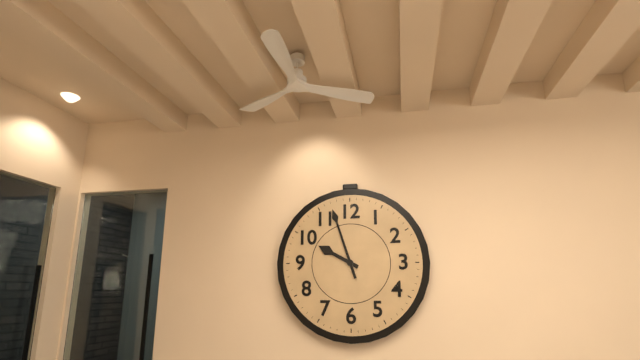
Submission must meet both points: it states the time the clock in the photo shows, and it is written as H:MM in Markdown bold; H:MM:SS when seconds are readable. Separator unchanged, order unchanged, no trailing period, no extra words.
**9:57**
